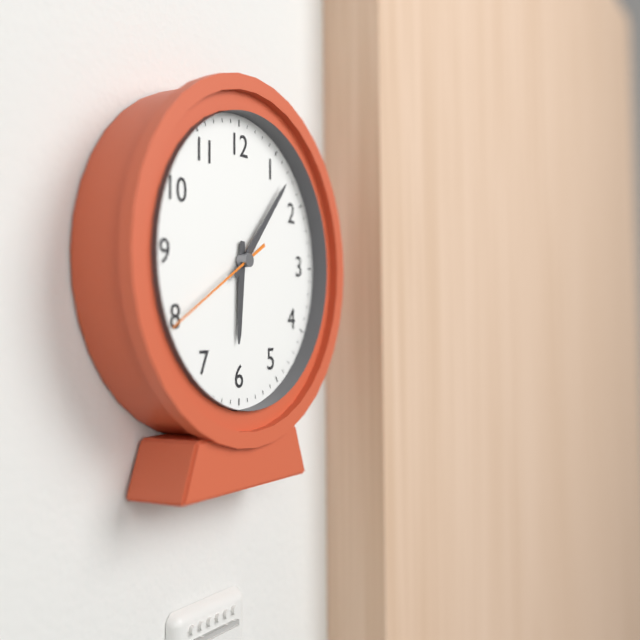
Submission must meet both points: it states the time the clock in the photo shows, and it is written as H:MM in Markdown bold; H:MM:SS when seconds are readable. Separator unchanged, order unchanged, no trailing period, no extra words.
**6:07:40**
